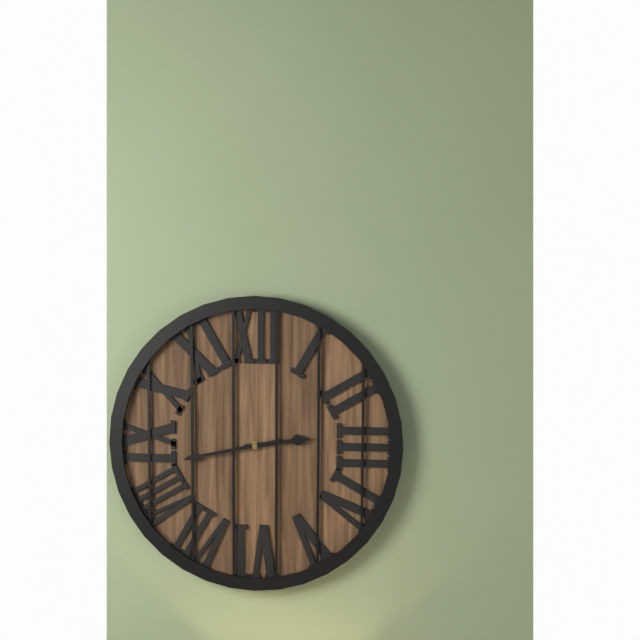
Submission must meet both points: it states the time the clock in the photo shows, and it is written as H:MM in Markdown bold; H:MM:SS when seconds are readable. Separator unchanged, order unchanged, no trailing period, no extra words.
**2:43**
